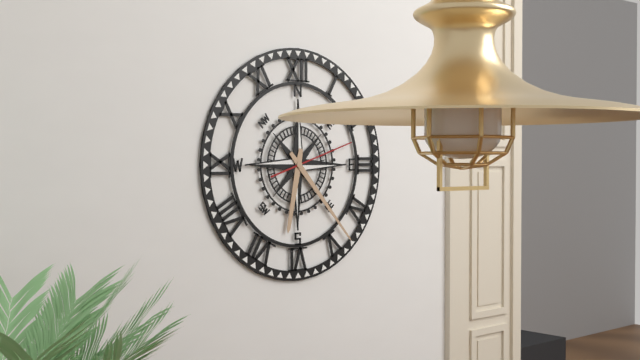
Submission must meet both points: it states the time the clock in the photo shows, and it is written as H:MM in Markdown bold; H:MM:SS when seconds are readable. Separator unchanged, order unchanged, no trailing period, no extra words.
**6:23:12**
